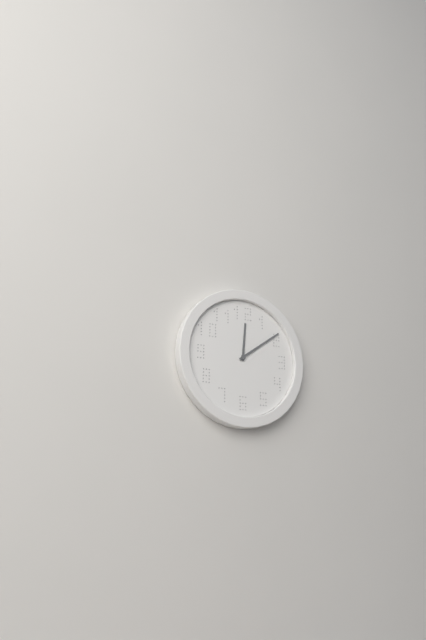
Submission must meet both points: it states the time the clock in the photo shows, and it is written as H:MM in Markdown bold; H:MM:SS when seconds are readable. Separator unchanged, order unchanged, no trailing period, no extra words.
**12:09**
